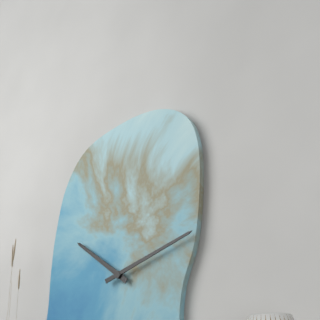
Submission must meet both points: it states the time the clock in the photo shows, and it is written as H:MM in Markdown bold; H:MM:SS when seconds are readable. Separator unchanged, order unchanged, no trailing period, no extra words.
**10:12**
